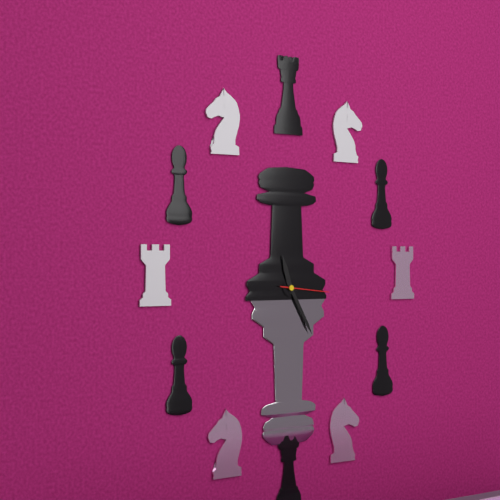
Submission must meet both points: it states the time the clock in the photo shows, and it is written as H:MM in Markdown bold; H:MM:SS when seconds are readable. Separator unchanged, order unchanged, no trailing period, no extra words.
**11:25**
